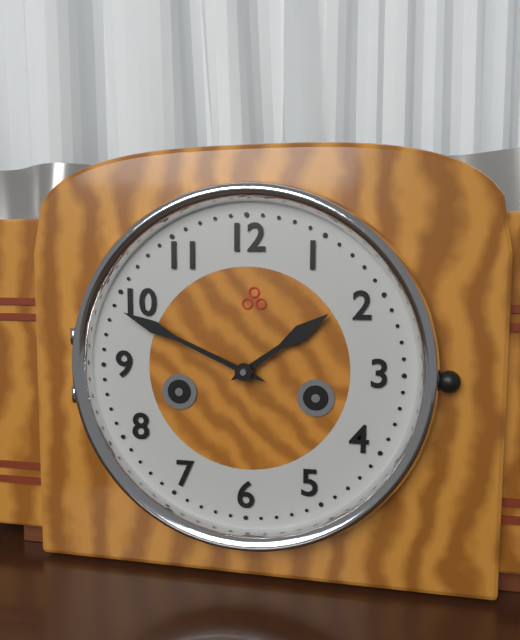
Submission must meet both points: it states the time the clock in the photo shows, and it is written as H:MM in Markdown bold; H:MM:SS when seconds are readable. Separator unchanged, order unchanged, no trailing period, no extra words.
**1:49**
